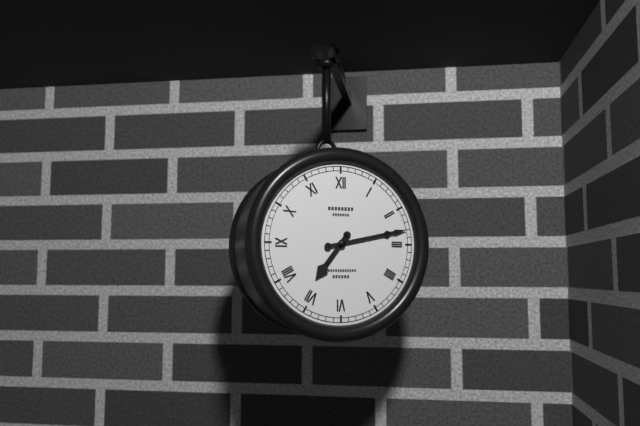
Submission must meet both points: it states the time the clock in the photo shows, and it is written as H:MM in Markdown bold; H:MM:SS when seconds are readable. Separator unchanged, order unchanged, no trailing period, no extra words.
**7:13**
